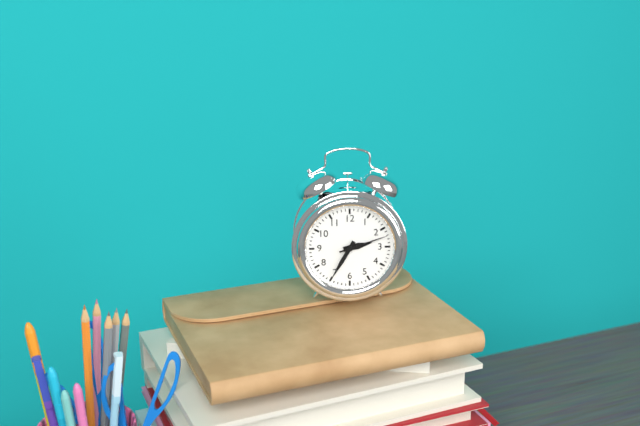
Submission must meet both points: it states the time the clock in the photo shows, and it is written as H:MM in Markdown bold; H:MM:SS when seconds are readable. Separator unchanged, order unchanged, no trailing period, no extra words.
**2:35**
